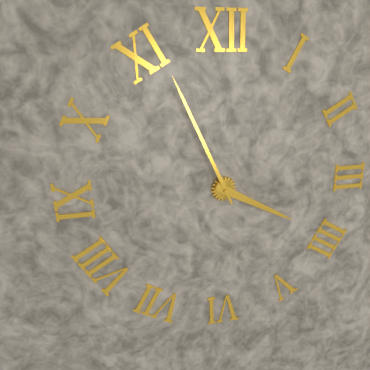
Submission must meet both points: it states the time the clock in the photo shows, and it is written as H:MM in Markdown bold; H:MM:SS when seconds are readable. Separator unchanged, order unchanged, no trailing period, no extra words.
**3:56**
